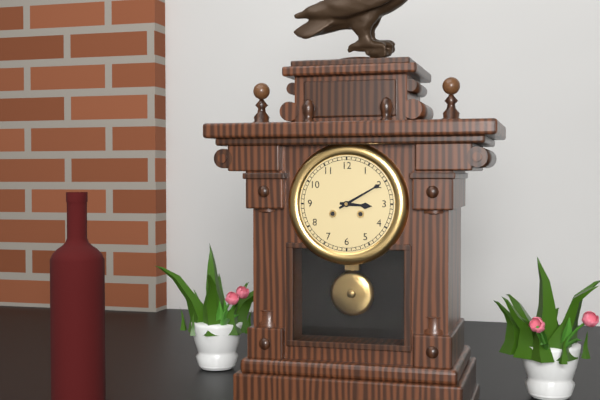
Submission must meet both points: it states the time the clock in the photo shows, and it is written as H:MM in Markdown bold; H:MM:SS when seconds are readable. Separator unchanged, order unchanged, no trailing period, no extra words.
**3:10**
